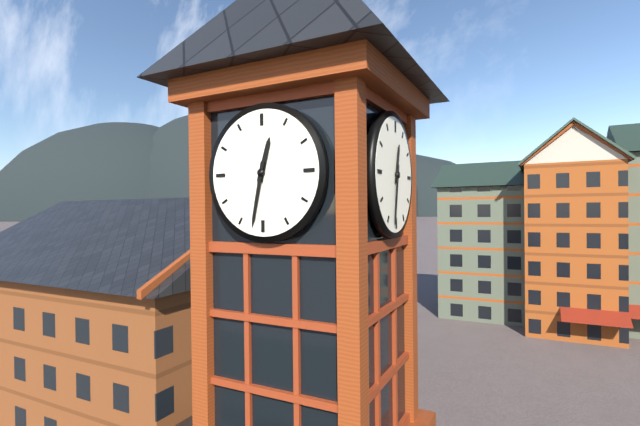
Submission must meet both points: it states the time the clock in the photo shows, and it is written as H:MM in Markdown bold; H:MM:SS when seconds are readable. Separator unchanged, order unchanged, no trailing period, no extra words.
**12:32**
